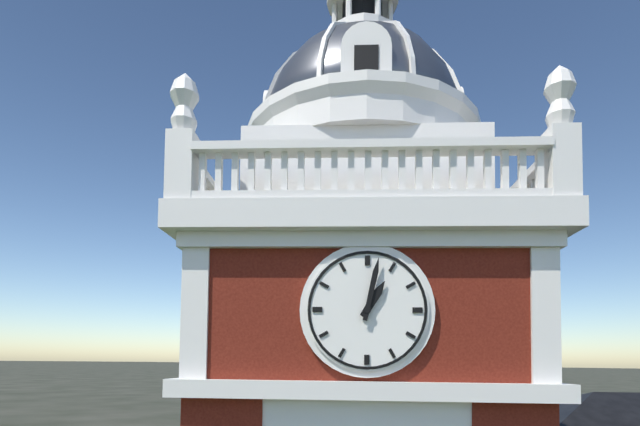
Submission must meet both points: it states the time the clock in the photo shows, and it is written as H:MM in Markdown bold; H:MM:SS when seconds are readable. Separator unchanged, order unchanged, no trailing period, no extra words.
**1:02**
